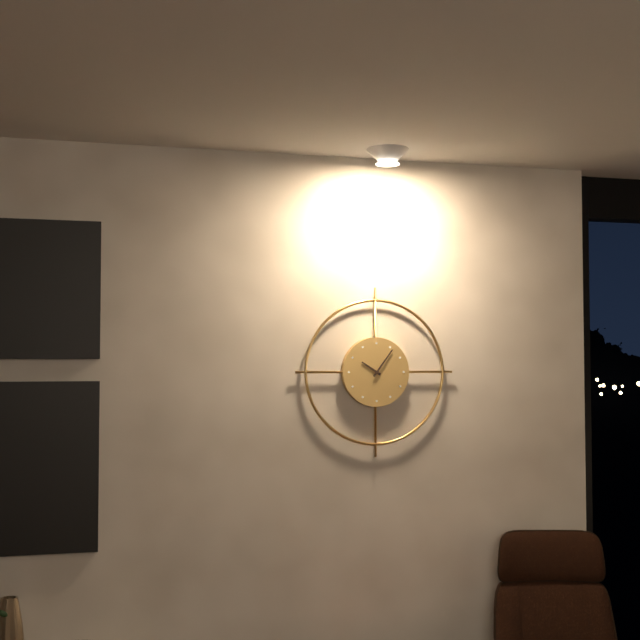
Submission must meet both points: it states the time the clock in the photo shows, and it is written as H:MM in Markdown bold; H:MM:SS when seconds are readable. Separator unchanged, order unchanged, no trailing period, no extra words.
**10:06**
